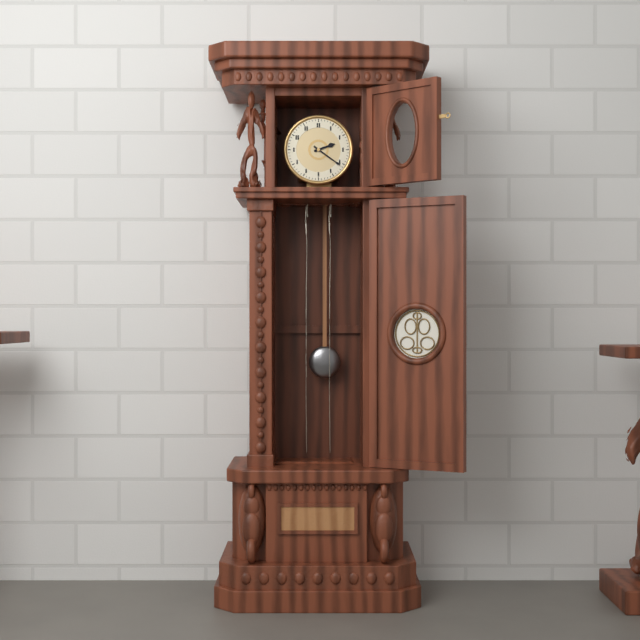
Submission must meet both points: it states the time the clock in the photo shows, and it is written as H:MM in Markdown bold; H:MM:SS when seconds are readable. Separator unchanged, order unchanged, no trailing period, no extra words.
**2:21**
